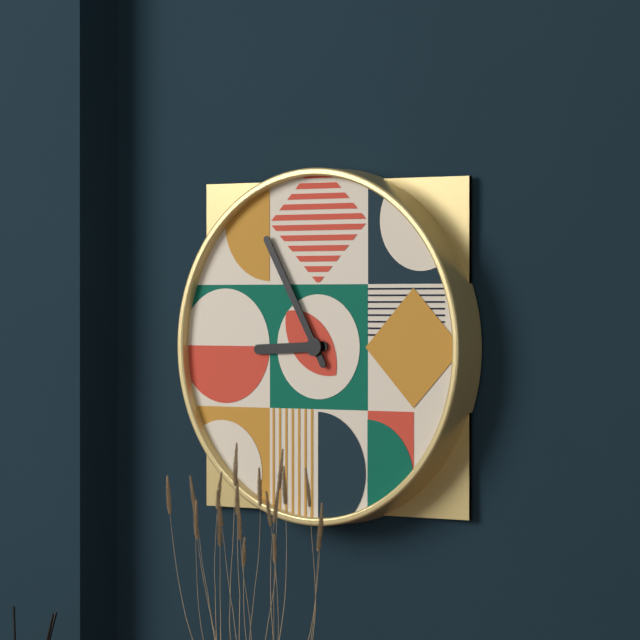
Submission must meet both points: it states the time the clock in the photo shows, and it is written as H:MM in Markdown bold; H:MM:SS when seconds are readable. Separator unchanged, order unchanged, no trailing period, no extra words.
**8:55**
